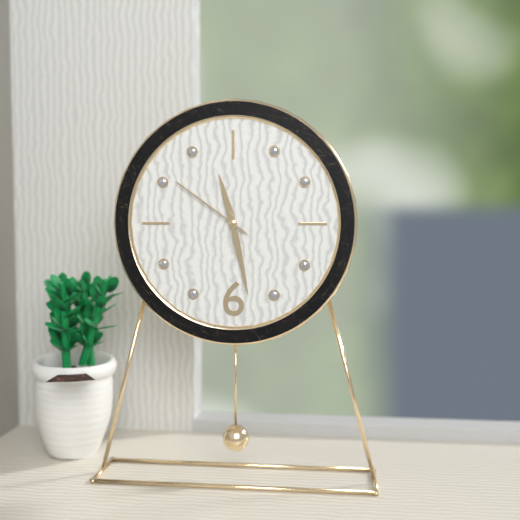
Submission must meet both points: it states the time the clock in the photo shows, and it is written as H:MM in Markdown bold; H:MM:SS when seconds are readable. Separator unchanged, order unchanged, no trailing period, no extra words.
**11:28:51**
